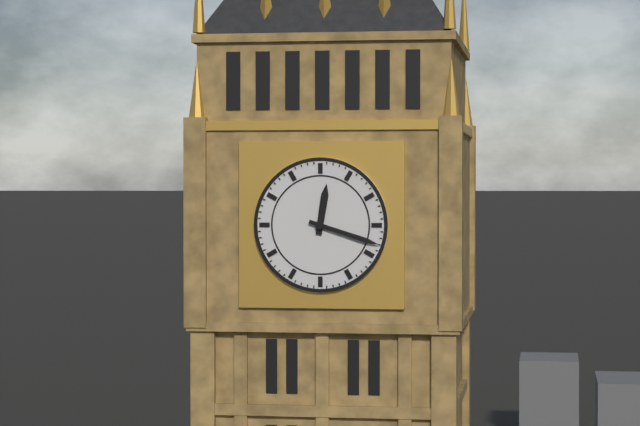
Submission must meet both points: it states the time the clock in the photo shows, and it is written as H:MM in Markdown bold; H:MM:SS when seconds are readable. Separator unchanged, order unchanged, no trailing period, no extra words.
**12:18**
